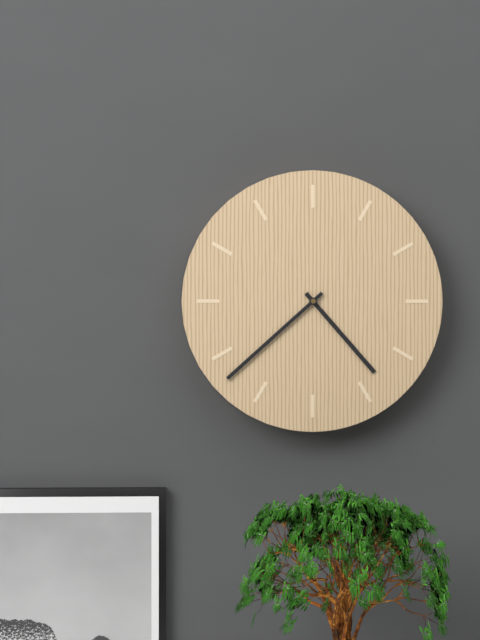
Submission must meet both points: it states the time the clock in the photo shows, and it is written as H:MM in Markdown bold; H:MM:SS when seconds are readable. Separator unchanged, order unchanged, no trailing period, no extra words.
**4:38**
